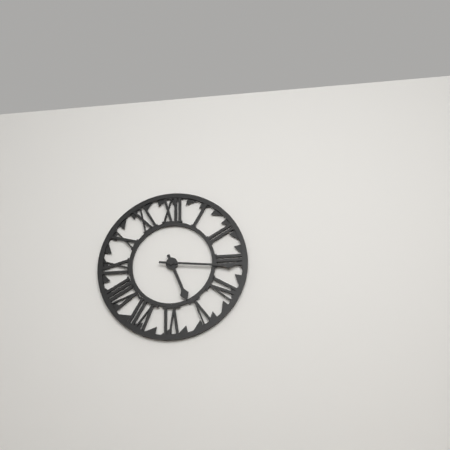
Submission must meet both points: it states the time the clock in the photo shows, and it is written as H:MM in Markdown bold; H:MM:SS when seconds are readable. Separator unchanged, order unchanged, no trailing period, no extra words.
**5:16**
